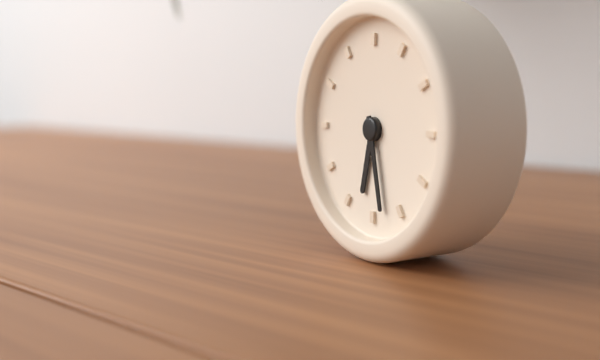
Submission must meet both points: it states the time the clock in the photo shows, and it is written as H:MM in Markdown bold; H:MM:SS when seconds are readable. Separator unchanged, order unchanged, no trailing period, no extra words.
**6:28**
